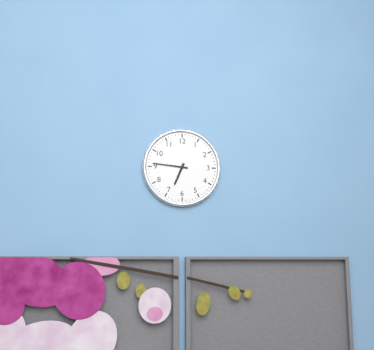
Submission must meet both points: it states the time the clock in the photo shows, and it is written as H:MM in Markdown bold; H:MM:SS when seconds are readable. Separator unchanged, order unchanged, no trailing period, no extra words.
**6:46**
